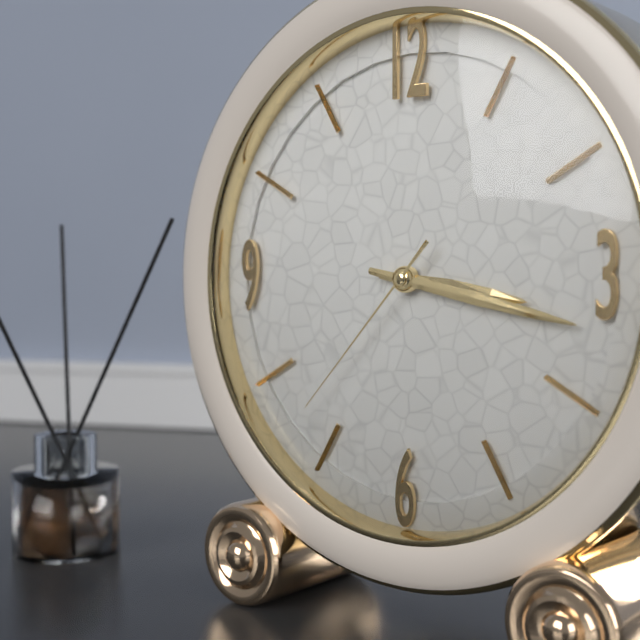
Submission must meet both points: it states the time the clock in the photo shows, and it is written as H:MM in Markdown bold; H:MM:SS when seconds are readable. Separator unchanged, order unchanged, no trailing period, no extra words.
**3:17:37**
